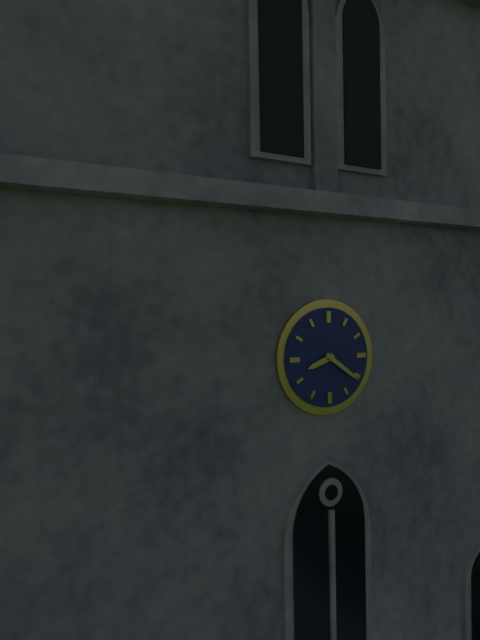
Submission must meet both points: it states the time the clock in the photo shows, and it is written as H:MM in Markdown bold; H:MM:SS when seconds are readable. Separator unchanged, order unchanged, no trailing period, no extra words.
**8:21**
